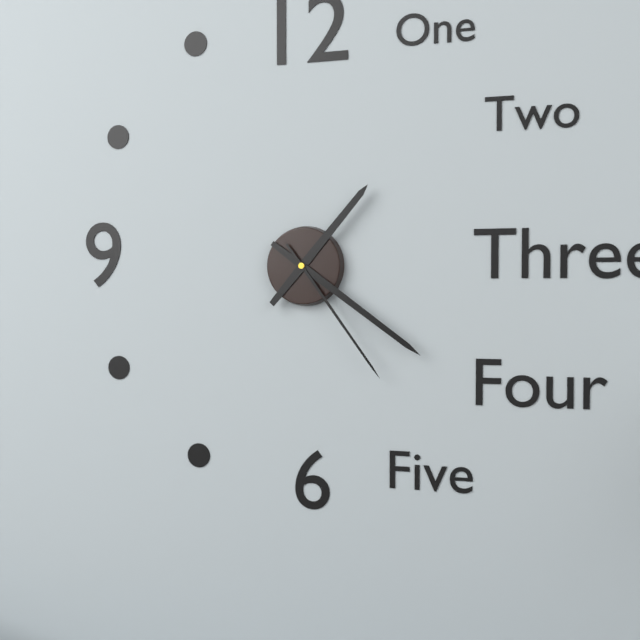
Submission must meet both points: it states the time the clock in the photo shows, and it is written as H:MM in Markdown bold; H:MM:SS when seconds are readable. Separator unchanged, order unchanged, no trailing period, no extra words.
**1:21:24**
